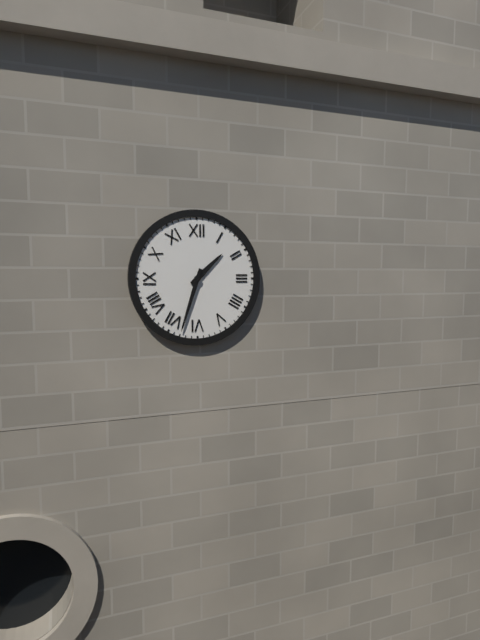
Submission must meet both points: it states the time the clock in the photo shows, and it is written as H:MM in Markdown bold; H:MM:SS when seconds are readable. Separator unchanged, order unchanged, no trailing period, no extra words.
**1:33**
